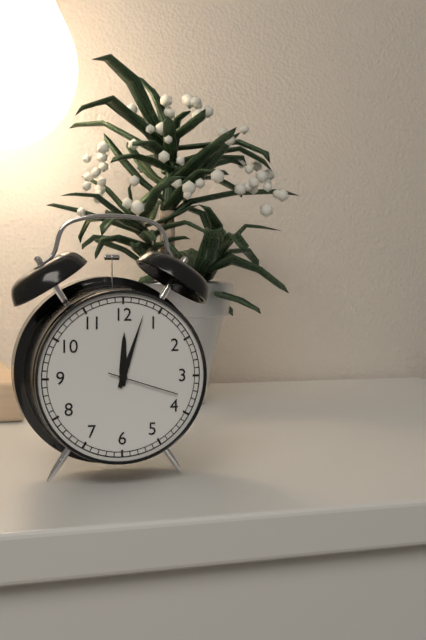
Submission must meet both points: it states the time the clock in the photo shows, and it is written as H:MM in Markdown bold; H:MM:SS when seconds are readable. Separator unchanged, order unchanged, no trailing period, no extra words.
**12:03:18**
